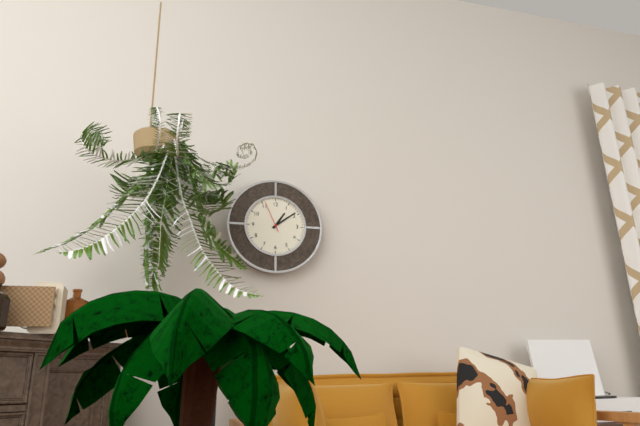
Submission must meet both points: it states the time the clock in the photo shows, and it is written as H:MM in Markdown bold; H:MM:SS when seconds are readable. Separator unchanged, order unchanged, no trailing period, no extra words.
**1:09**
